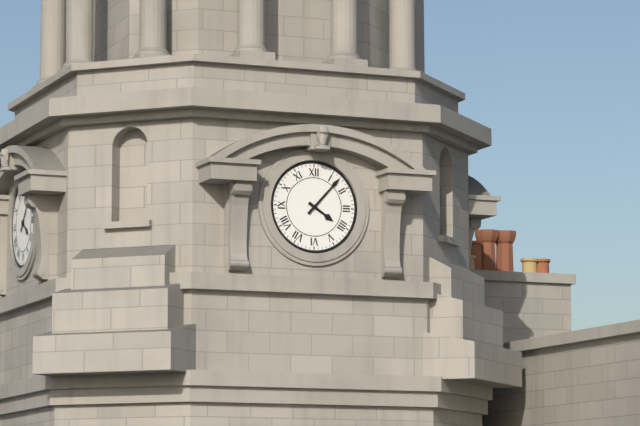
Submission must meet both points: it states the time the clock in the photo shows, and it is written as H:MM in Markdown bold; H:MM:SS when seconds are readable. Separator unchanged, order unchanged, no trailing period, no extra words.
**4:07**
